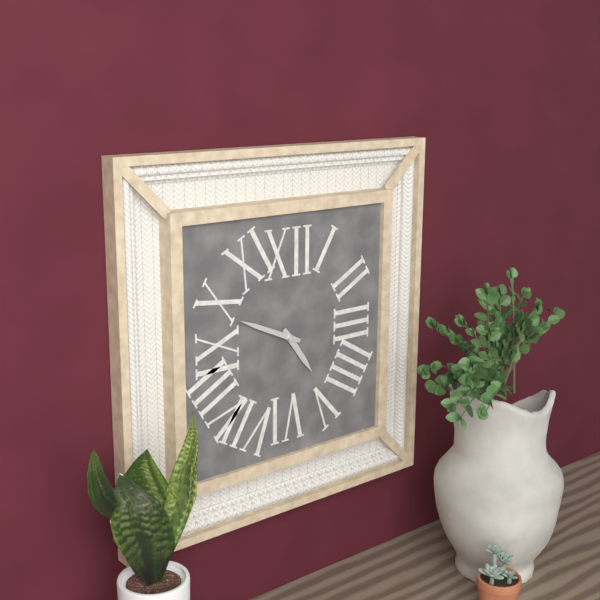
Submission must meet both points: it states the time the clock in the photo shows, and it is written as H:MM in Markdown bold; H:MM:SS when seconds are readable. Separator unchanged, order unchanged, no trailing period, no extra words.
**4:49**
